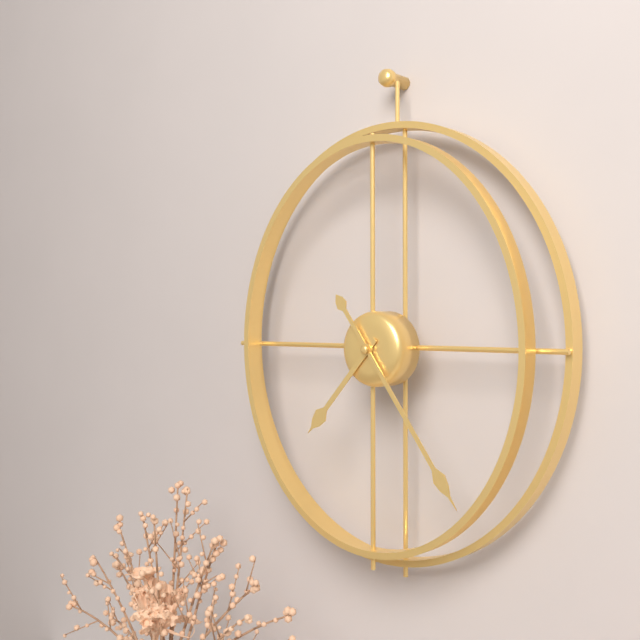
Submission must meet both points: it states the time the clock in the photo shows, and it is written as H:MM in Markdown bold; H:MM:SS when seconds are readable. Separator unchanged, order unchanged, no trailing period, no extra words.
**7:24**
